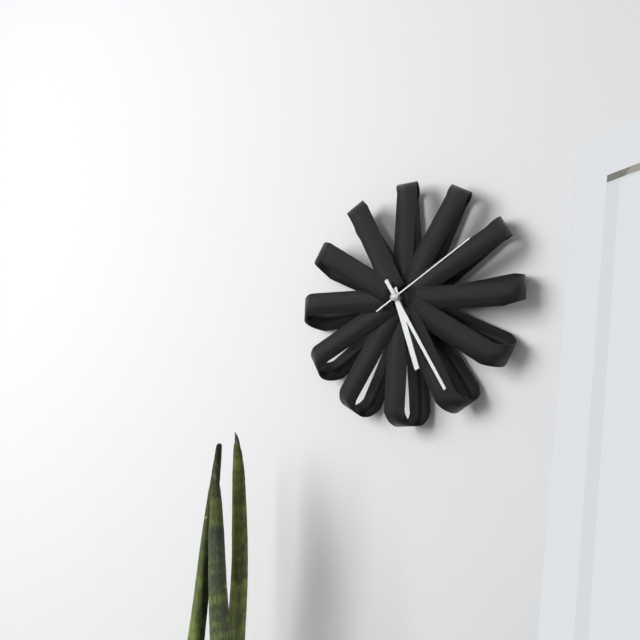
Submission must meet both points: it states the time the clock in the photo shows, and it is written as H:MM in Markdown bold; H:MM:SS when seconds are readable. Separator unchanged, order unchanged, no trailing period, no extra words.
**5:25:10**
